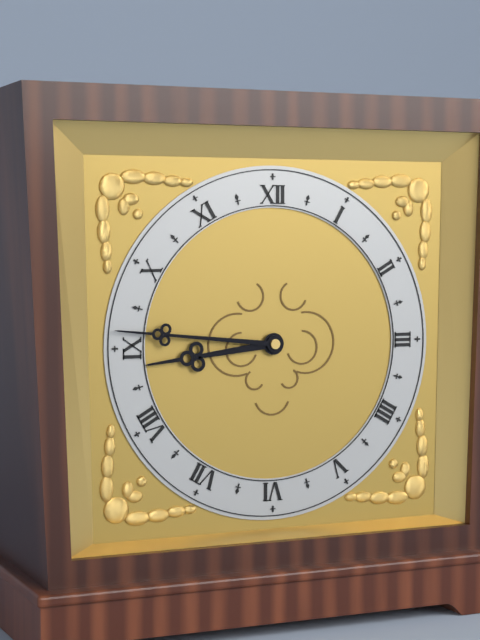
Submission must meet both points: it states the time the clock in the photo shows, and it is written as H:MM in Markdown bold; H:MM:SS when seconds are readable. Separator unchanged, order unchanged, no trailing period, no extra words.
**8:46**
